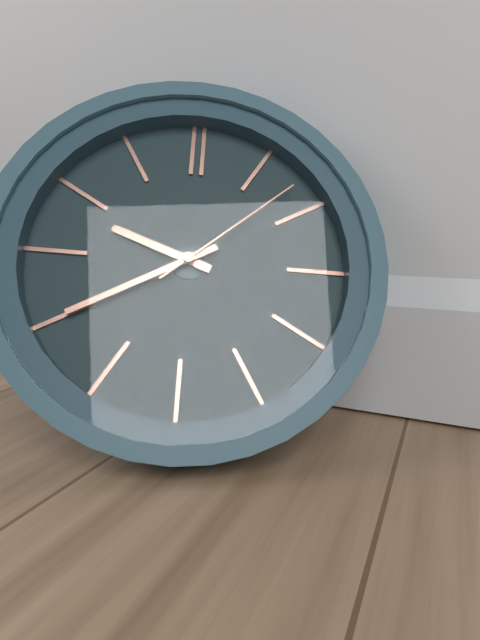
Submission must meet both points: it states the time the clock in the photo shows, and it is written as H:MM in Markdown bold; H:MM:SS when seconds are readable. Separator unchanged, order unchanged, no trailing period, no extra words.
**9:40:08**
